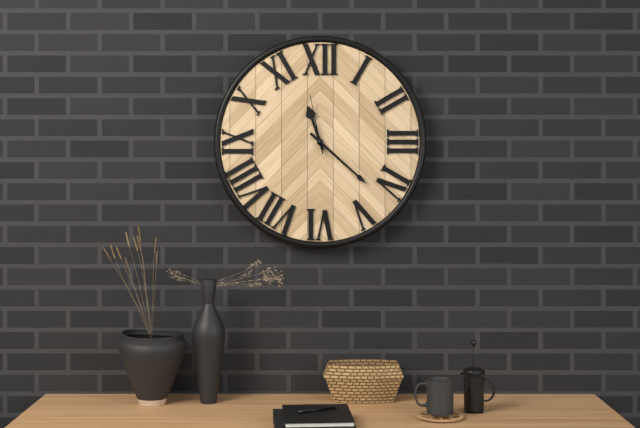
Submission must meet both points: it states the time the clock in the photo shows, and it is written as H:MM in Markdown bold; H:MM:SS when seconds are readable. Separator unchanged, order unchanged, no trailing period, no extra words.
**11:22:58**
